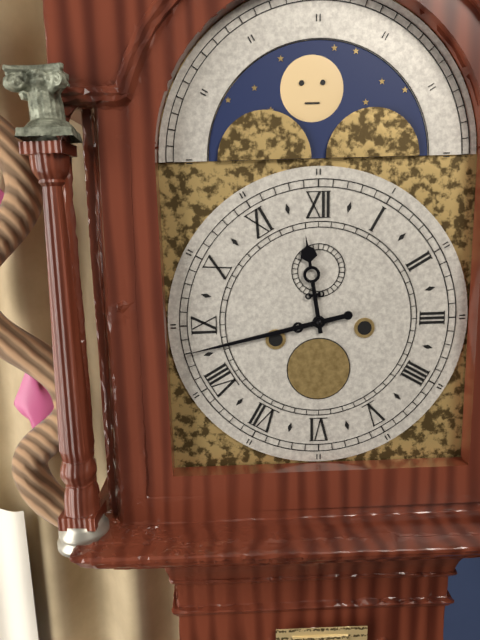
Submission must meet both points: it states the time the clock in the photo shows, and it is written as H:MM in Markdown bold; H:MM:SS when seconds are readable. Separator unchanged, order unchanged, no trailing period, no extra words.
**11:43**
